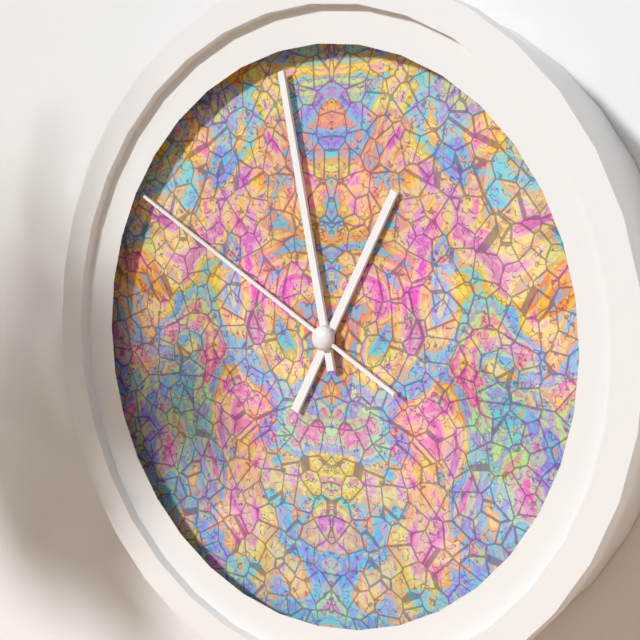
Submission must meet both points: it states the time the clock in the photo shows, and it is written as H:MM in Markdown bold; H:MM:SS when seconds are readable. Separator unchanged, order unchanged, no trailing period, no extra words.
**12:58:50**
